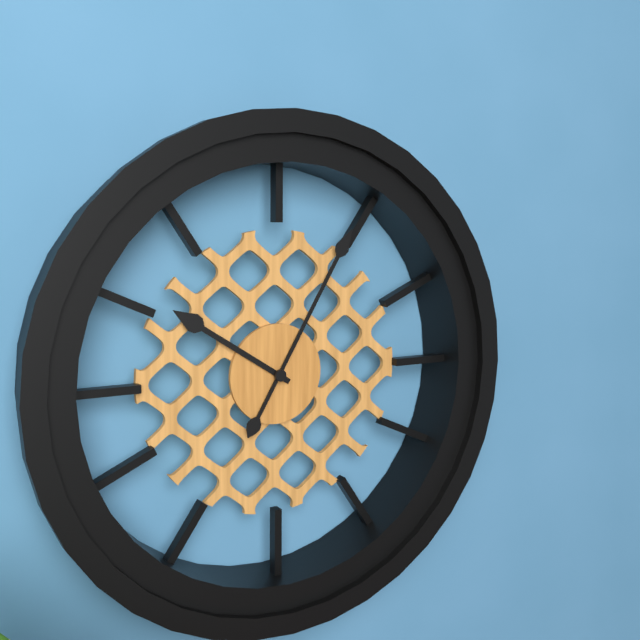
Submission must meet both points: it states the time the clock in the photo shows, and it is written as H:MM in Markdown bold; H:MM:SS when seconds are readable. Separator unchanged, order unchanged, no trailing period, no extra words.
**10:05**
